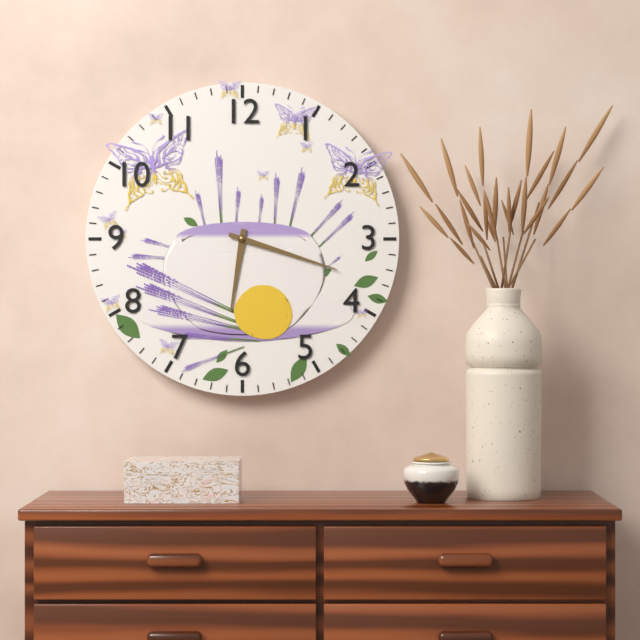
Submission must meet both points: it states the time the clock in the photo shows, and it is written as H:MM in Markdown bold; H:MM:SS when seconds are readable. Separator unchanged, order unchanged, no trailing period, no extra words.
**6:18**
